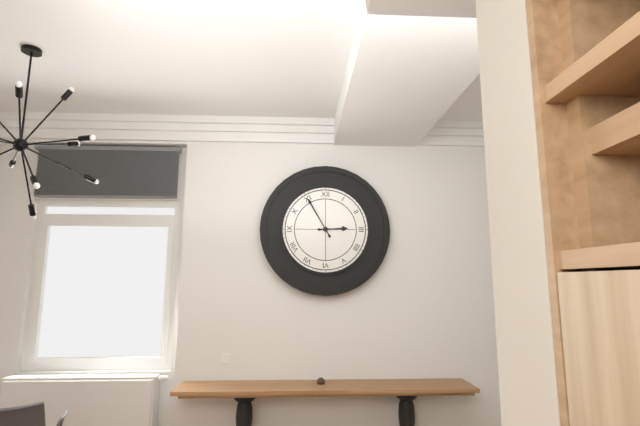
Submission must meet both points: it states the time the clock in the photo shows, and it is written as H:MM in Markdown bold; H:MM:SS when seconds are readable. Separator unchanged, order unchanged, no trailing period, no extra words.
**2:55**
